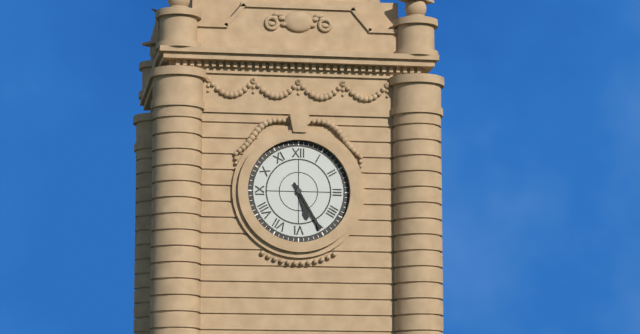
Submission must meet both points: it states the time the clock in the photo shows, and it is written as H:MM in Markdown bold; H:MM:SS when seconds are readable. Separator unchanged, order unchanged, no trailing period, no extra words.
**5:25**
